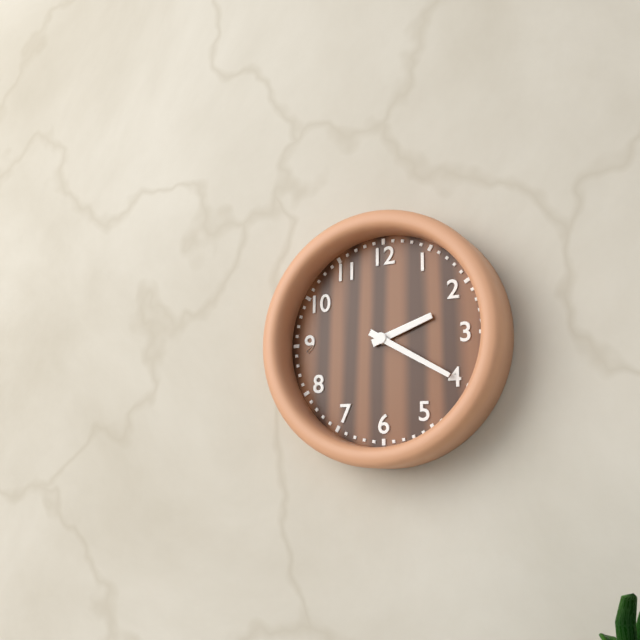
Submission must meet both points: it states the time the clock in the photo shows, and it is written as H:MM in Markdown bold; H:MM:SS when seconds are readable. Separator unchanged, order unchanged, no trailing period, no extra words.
**2:20**
